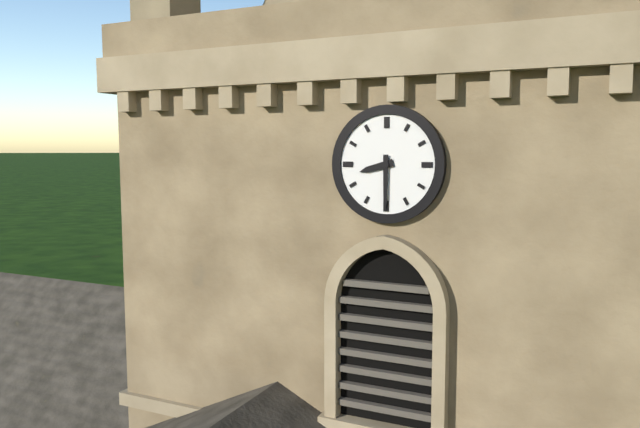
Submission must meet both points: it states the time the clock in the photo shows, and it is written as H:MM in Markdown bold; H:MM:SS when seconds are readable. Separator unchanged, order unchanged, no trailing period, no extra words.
**8:30**
